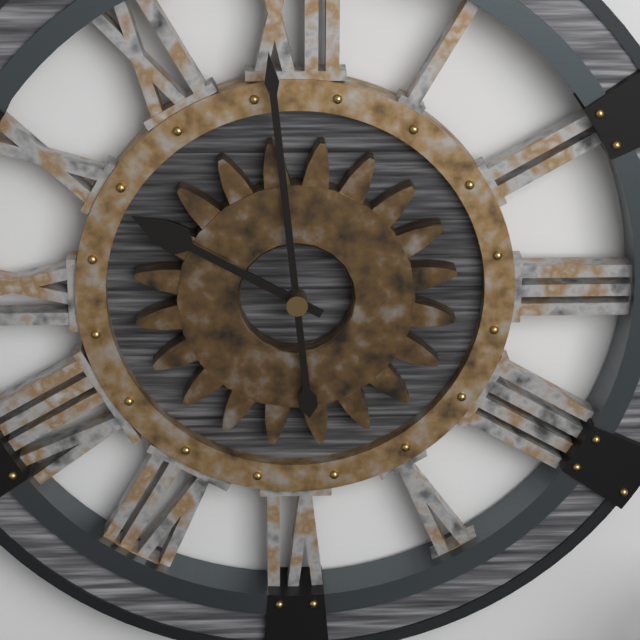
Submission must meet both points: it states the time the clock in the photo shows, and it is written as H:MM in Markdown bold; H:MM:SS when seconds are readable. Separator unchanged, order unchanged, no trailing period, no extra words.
**9:59**
